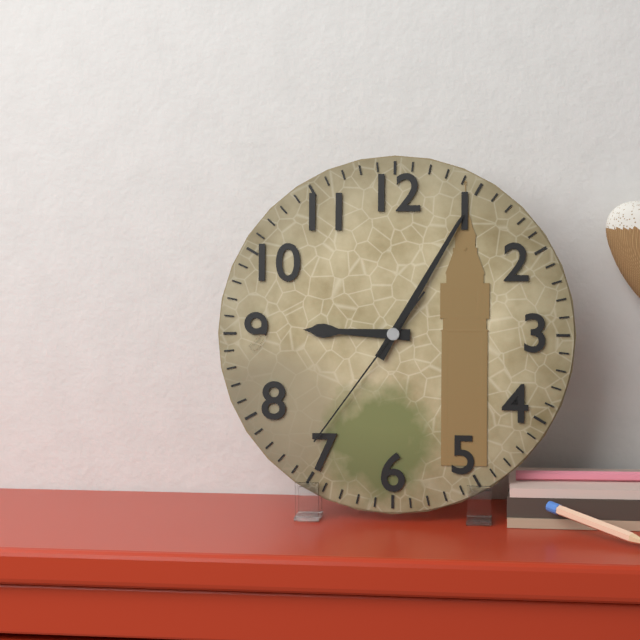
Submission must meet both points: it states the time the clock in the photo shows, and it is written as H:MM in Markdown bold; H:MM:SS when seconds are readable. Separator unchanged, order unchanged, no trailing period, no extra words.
**9:05:36**
